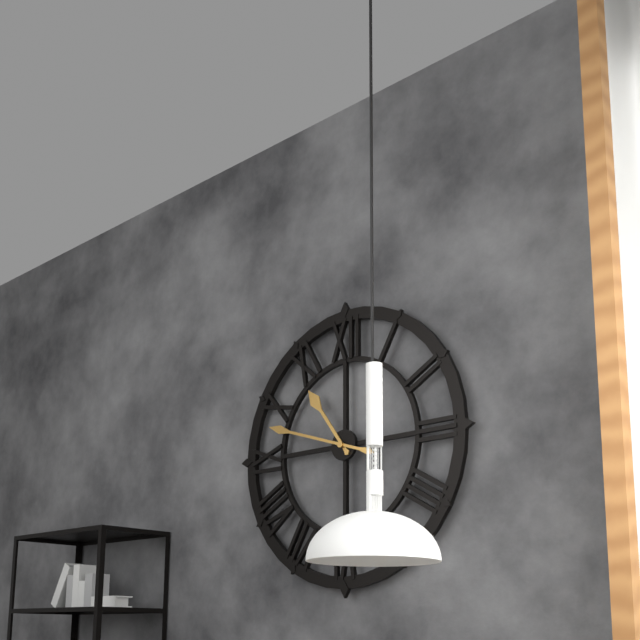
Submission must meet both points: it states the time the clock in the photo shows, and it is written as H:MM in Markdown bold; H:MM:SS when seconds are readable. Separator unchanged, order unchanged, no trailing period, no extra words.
**10:48**
